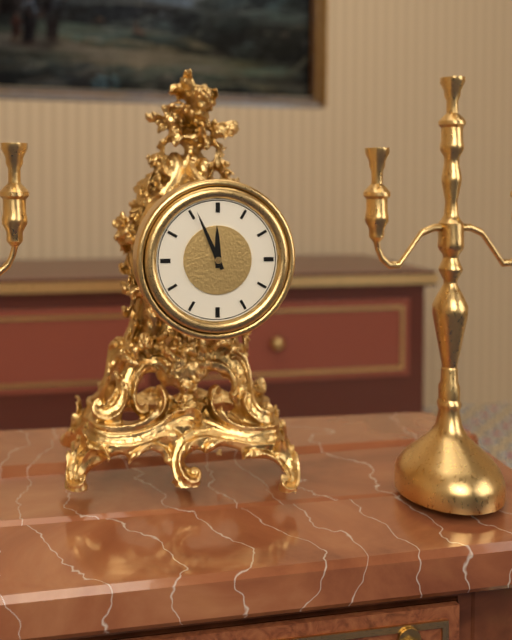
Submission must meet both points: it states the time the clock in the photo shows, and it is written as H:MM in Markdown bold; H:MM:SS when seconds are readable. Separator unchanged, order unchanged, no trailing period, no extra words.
**11:56**
